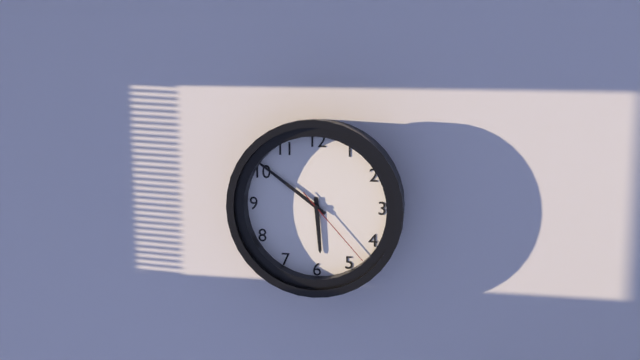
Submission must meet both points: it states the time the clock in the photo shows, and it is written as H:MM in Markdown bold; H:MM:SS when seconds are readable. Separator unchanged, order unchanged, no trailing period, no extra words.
**5:51:23**
